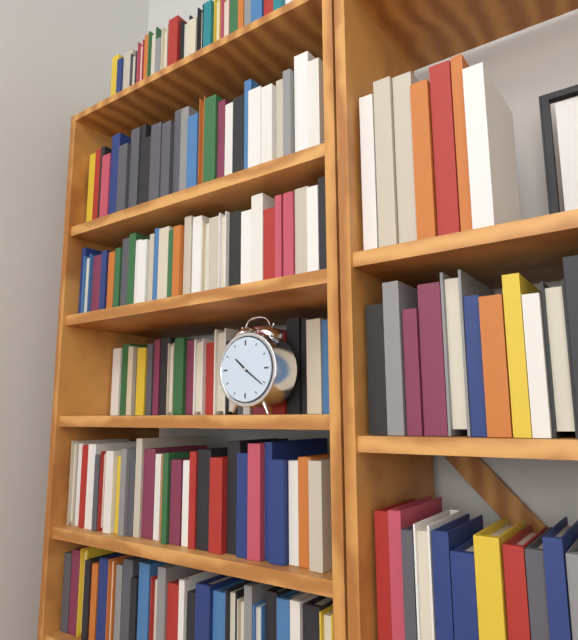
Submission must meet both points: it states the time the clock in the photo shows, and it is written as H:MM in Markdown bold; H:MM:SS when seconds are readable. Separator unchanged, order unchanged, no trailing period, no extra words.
**10:21**
